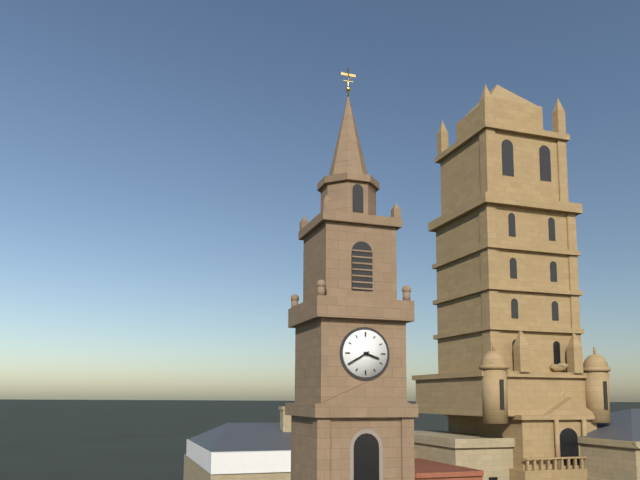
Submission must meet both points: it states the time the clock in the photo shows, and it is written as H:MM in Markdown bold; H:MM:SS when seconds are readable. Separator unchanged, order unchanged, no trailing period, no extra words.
**3:40**
